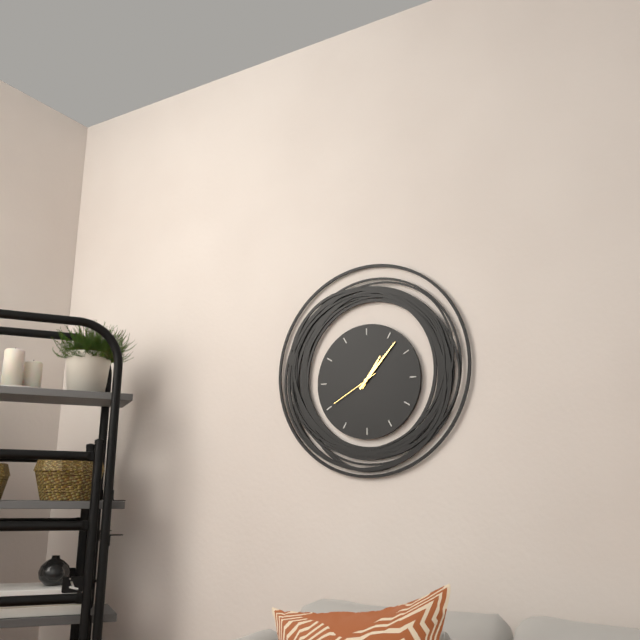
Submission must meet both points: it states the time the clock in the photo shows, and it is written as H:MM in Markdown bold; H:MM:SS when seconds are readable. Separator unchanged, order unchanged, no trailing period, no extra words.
**1:07:40**
